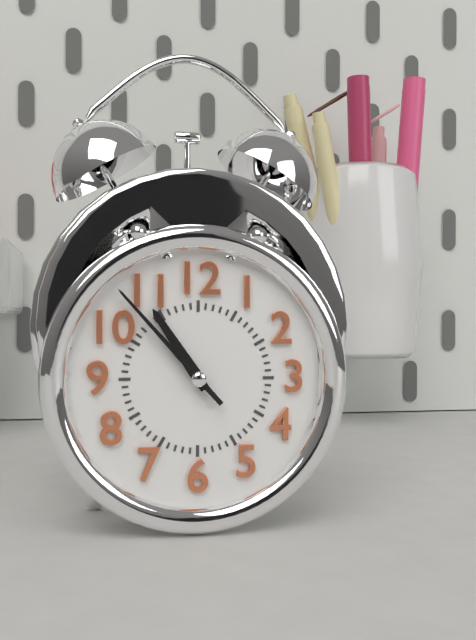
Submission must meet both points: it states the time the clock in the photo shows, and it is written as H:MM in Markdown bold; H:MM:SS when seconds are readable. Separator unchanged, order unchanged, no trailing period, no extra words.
**10:53**
